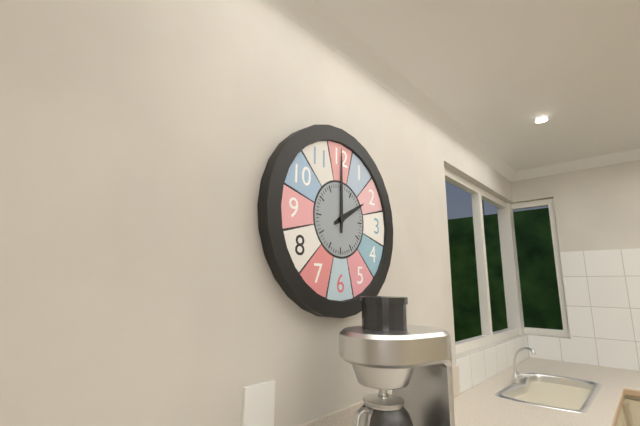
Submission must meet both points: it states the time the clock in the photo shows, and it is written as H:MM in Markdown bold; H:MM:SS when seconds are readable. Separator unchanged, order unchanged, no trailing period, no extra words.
**2:00**
